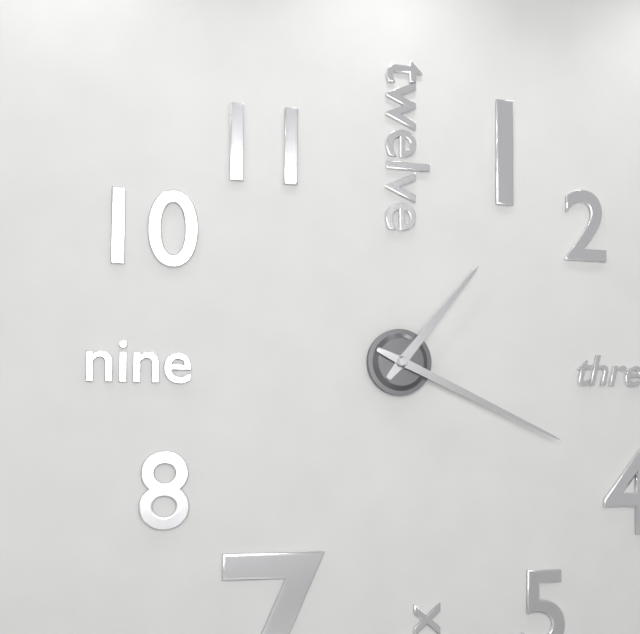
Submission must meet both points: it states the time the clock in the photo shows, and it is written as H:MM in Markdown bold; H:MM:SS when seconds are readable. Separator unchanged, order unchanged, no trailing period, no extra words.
**1:19**
